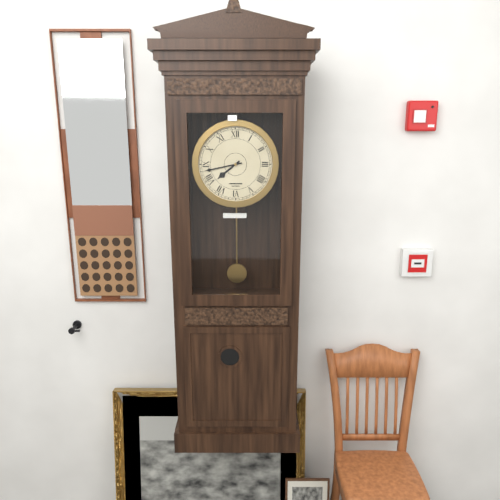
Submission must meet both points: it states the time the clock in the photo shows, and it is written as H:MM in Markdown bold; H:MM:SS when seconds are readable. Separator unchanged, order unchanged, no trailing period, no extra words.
**7:43**
